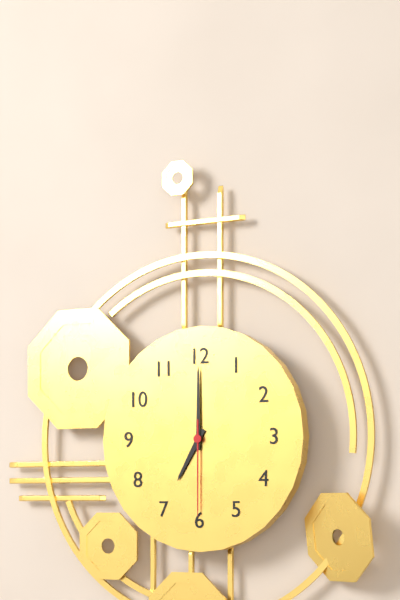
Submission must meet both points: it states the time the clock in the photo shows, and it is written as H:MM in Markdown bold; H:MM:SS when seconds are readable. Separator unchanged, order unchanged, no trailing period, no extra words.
**7:00:30**
